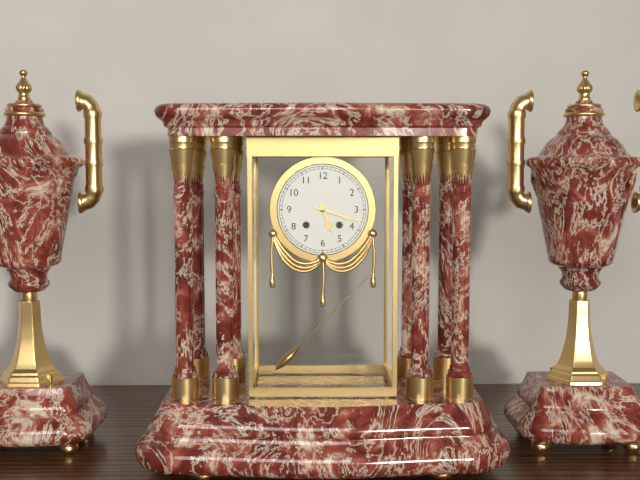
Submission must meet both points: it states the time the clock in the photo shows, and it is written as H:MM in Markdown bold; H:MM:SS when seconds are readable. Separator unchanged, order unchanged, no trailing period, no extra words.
**5:18**
